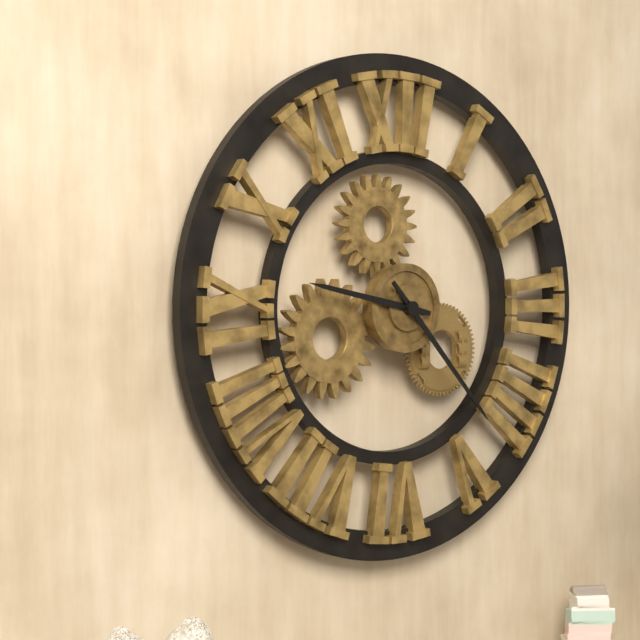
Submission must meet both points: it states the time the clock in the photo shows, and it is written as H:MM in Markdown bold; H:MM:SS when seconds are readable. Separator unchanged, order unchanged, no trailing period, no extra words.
**9:23**
